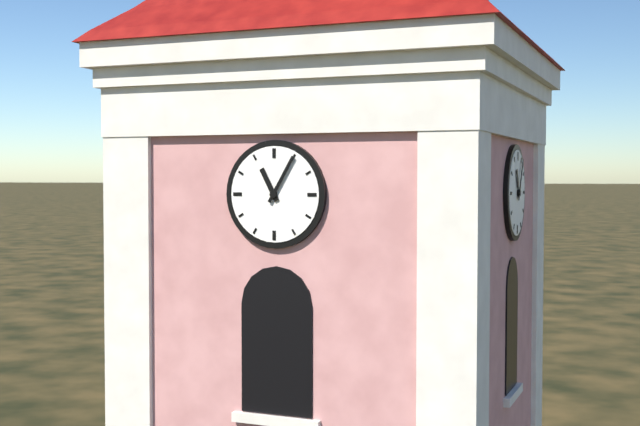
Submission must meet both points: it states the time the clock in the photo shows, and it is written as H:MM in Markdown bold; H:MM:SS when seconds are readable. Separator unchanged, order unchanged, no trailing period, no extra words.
**11:05**
